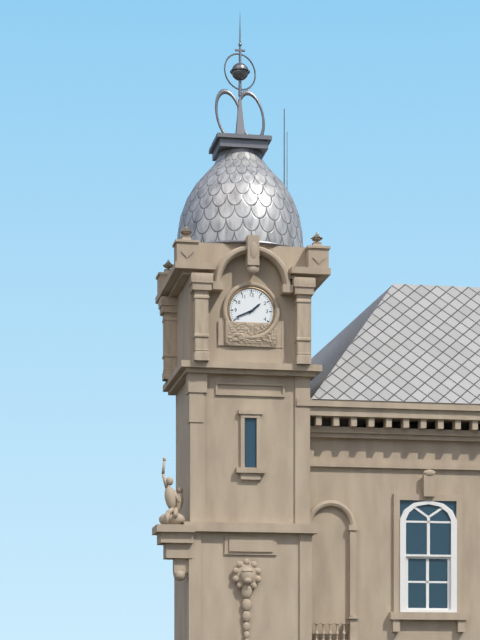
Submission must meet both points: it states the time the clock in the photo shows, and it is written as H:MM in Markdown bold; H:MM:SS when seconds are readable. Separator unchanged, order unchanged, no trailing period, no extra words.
**1:41**
